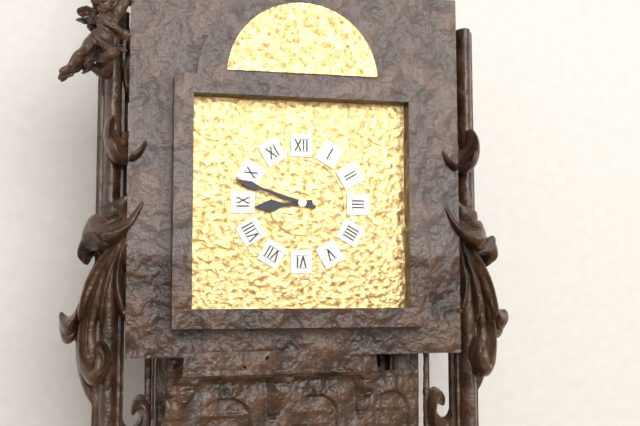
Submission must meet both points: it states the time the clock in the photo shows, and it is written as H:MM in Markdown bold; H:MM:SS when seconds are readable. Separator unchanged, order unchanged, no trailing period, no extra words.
**8:48**
